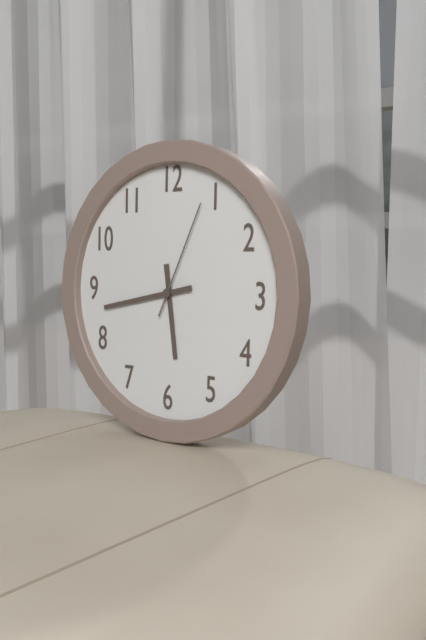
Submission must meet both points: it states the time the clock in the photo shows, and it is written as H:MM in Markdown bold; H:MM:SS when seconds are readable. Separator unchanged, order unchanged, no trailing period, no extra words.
**5:43:04**
